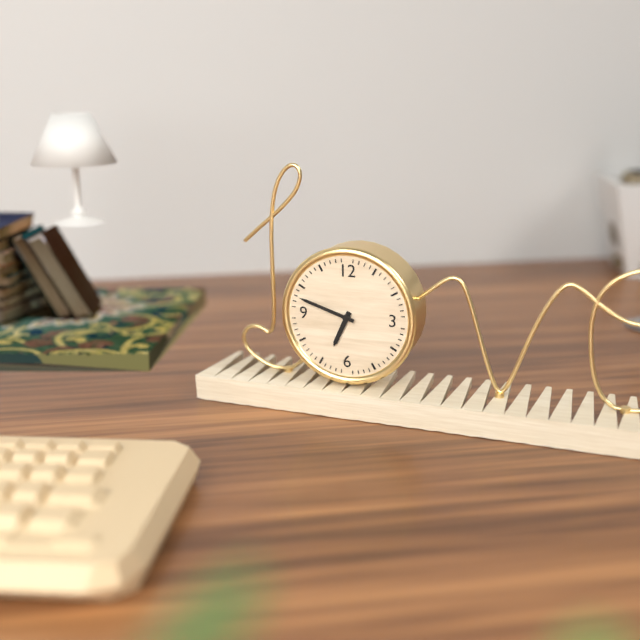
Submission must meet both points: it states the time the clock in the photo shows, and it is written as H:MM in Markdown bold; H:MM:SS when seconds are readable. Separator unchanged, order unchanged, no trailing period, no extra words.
**6:48**
